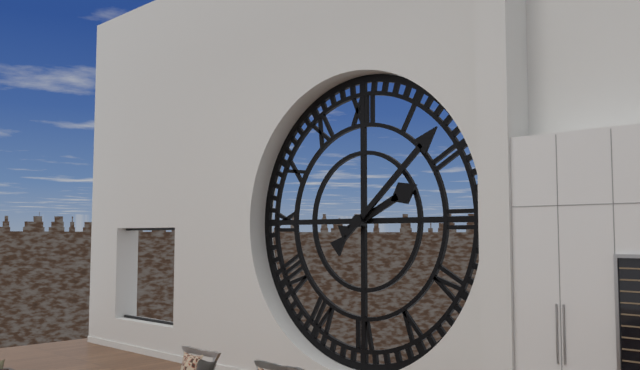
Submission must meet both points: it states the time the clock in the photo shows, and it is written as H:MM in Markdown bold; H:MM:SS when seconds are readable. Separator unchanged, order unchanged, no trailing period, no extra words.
**2:08**
